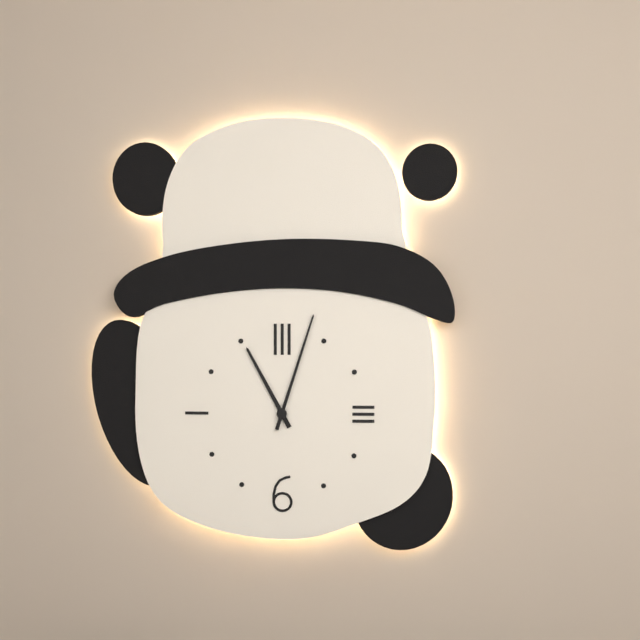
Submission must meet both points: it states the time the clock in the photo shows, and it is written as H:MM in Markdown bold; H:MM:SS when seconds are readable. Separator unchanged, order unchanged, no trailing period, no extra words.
**11:03**
